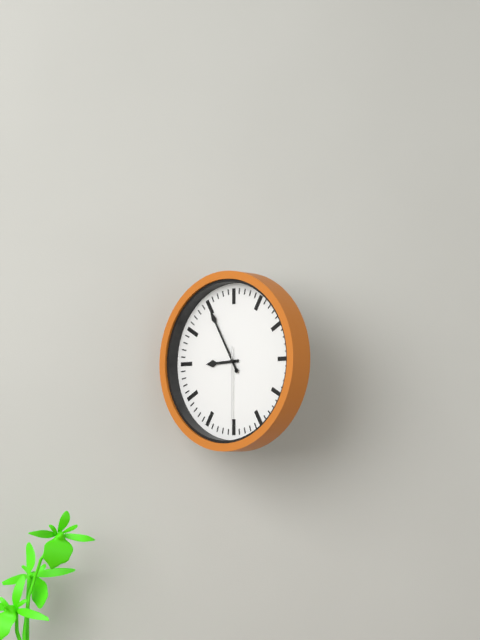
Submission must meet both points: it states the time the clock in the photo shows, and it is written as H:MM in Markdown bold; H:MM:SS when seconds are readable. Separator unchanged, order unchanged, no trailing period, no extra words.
**8:55:30**
